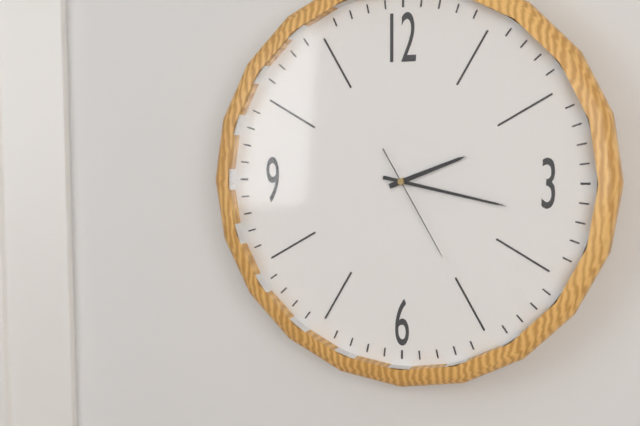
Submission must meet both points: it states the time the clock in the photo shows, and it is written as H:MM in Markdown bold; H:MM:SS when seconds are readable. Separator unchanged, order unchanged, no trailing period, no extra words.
**2:17:25**
